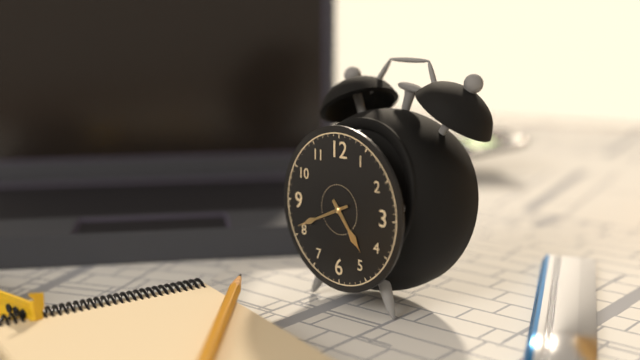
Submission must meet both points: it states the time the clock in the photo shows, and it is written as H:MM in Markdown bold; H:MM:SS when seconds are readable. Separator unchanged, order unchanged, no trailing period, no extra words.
**4:41**
